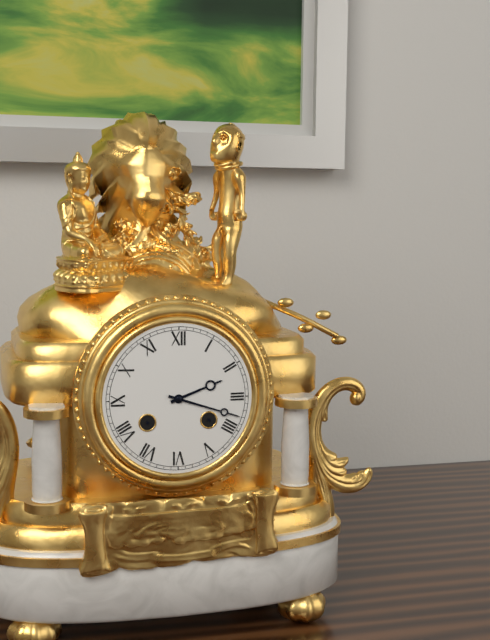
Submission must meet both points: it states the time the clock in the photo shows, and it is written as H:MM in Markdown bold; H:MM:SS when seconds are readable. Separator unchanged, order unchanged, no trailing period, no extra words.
**2:18**
